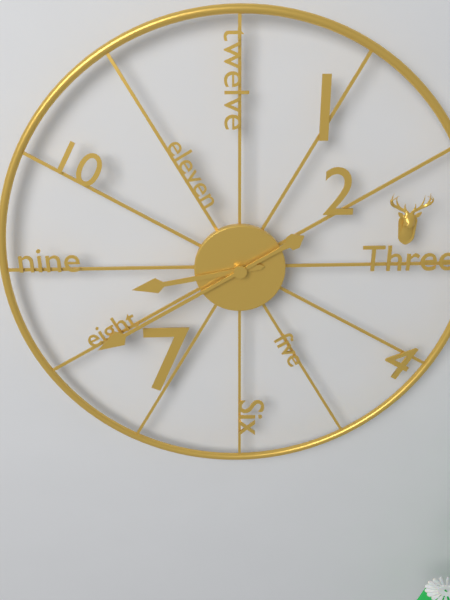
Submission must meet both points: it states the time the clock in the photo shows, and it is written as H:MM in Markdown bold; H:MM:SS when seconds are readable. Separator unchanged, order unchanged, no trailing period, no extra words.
**8:40**
